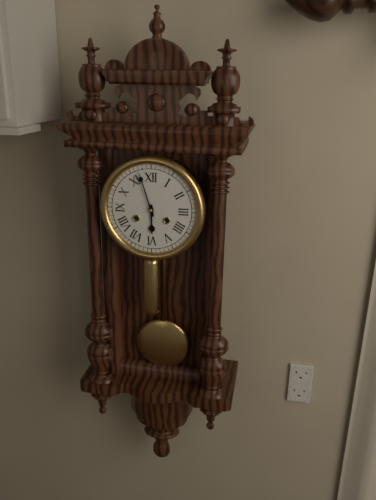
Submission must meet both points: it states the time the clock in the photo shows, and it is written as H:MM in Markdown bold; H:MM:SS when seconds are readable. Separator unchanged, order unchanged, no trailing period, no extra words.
**5:57**
